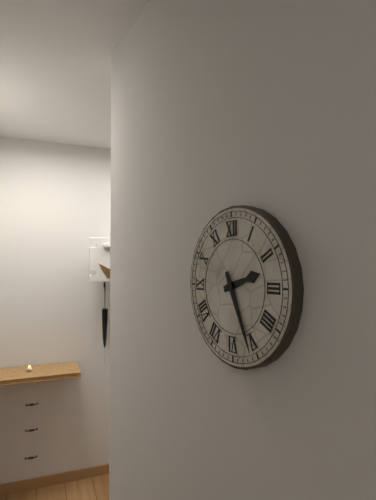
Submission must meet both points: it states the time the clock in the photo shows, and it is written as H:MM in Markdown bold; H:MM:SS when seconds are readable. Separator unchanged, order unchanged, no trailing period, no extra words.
**2:26**
